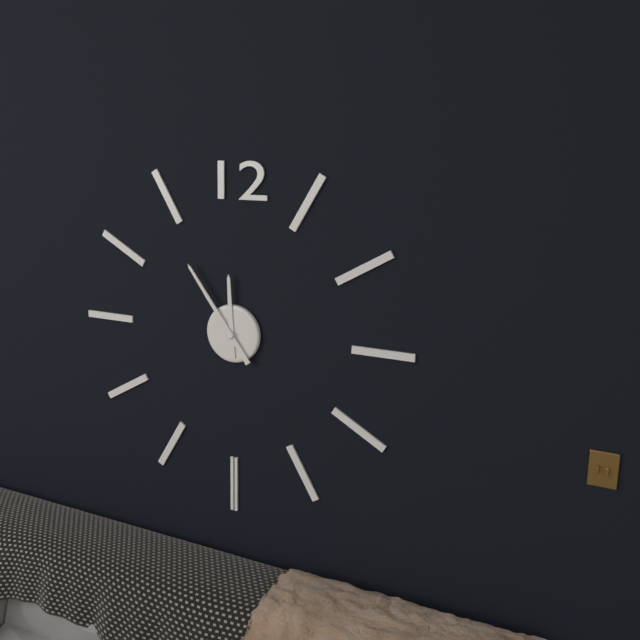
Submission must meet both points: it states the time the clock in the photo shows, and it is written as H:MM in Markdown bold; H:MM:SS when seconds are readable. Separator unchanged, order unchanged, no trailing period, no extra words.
**11:54**
